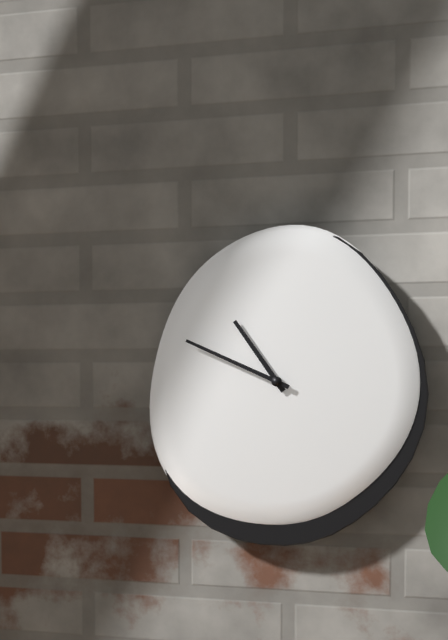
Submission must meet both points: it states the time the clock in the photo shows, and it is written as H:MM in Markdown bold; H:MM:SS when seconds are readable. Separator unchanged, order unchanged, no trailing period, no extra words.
**10:49**
